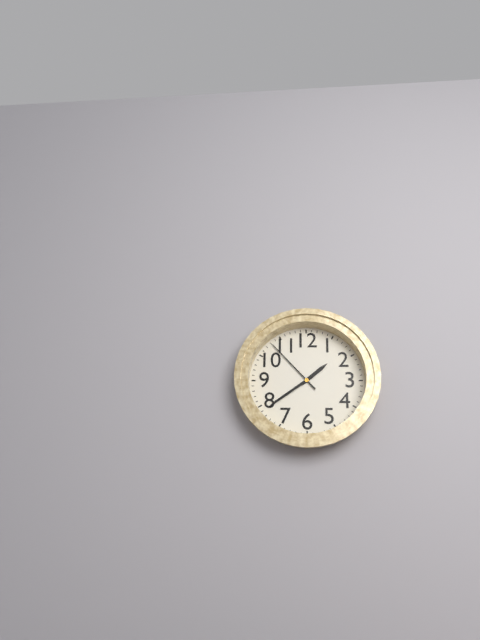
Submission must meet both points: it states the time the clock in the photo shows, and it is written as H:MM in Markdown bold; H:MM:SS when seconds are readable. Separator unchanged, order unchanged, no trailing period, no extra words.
**1:39:53**
